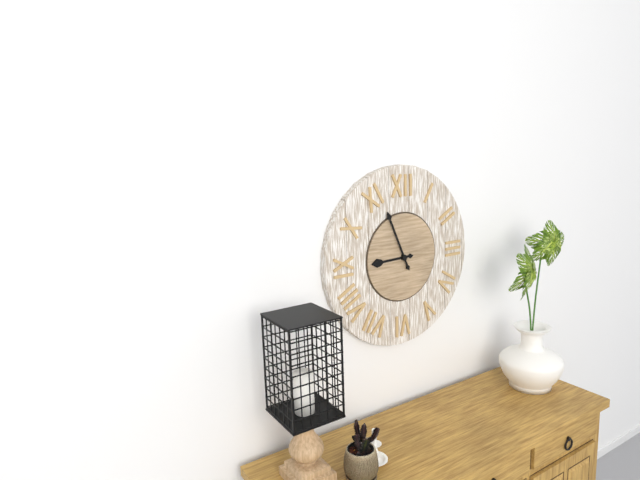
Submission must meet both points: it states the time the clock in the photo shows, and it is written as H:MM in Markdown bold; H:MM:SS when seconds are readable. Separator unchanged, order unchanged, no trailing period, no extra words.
**8:56**
